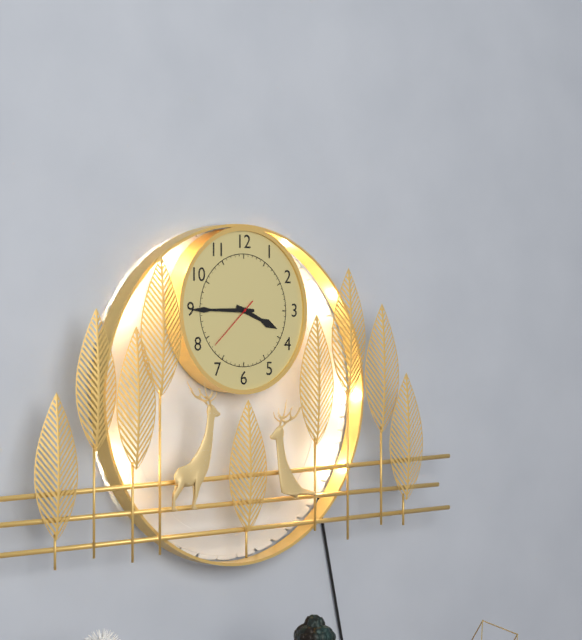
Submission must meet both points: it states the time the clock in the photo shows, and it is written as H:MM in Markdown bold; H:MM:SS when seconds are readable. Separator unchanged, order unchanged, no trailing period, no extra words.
**3:45**
